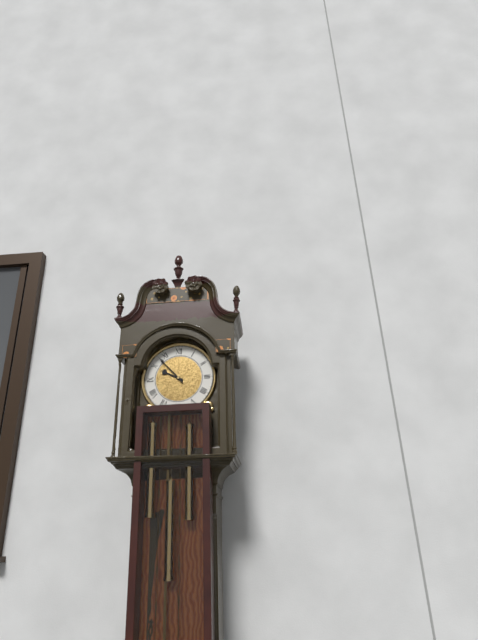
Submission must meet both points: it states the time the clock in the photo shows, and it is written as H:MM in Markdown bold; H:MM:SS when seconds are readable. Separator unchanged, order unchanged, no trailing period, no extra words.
**9:53**
